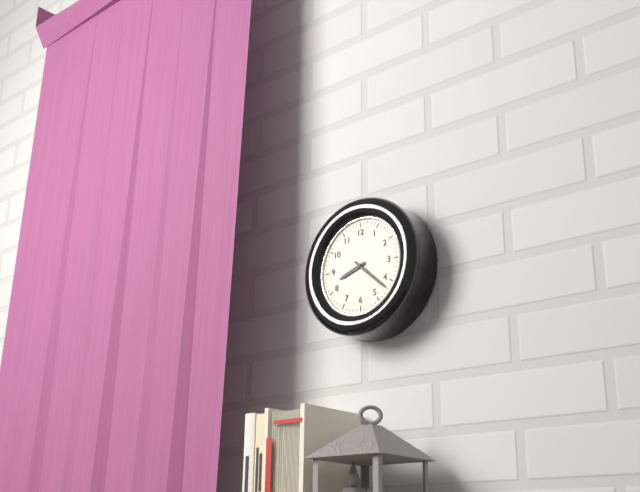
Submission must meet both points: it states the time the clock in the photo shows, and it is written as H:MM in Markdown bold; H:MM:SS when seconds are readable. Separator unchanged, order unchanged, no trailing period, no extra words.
**8:22**
